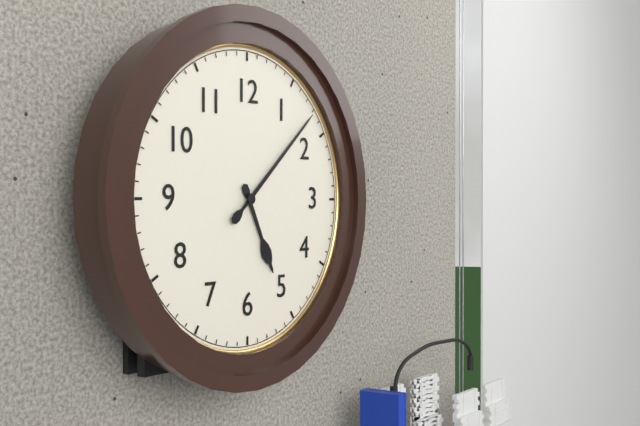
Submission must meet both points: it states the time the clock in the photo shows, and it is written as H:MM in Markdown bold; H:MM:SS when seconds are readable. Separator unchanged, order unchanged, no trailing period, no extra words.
**5:08**
